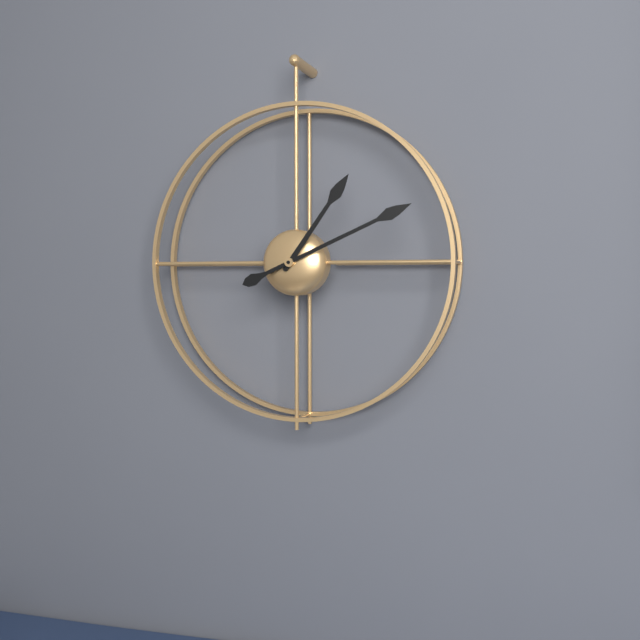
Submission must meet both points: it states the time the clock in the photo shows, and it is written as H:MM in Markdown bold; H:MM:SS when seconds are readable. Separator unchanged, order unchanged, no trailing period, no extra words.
**1:11**
